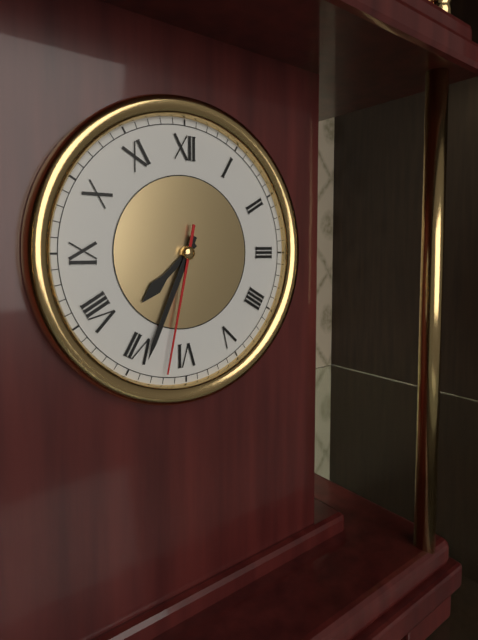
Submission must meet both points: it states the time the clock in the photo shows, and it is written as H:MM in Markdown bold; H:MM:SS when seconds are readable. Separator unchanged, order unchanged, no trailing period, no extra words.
**7:34:32**
